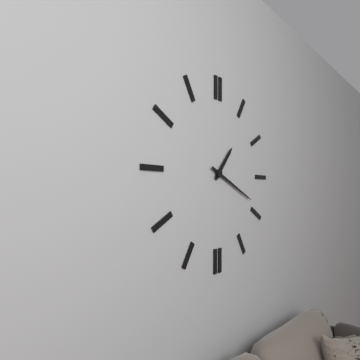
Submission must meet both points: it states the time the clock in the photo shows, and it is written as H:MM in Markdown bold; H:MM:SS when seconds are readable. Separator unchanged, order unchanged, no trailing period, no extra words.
**1:19**
